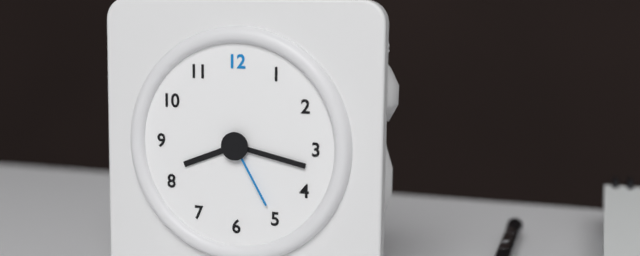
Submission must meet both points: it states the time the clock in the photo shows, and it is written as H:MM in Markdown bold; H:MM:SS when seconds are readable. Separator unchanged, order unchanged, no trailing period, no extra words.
**8:17:25**
